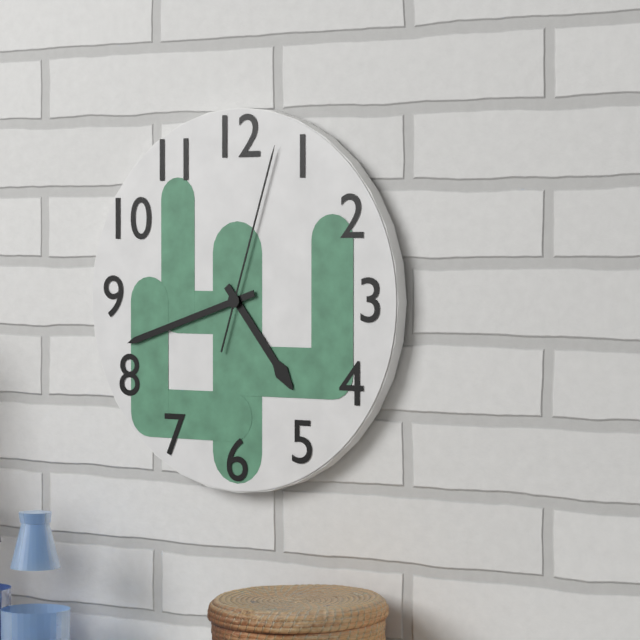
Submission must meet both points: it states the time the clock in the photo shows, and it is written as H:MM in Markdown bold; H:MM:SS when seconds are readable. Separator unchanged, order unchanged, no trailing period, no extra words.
**4:42:03**
